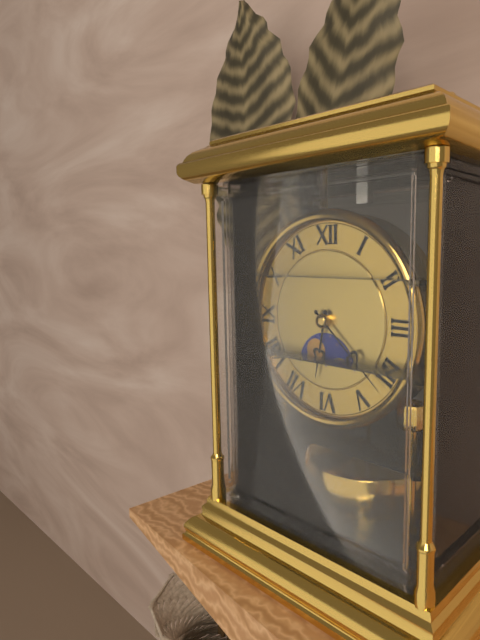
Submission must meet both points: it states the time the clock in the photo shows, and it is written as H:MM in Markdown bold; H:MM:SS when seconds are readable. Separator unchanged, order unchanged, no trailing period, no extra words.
**6:22**
